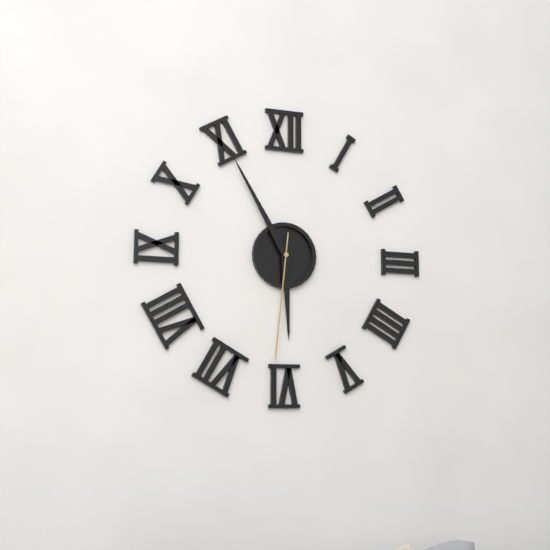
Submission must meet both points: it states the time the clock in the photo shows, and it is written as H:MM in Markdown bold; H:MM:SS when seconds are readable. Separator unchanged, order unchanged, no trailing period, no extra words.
**5:55:31**
